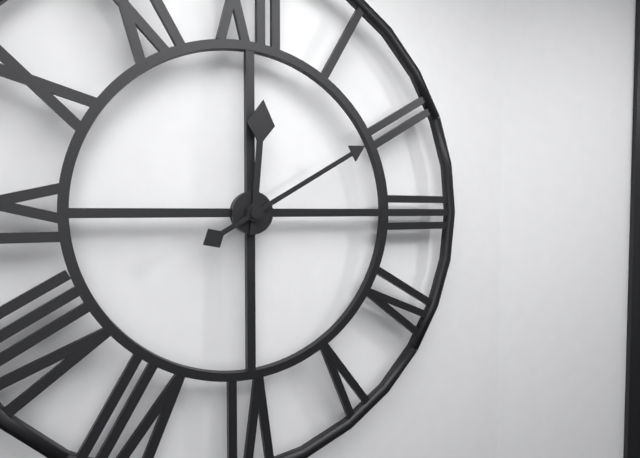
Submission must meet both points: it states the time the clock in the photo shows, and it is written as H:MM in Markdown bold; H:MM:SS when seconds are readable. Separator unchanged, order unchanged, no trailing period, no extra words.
**12:10**
